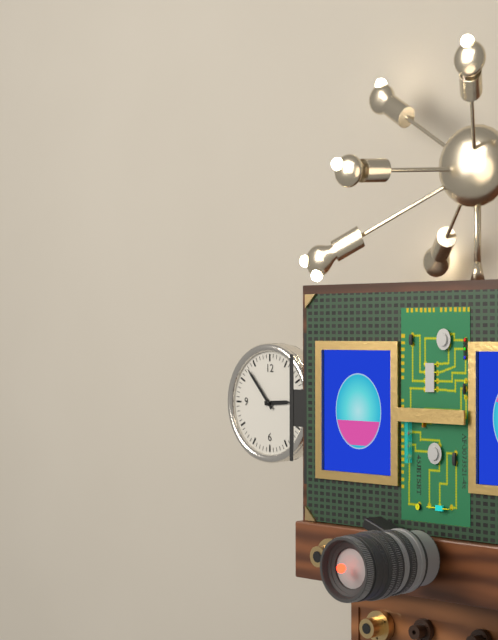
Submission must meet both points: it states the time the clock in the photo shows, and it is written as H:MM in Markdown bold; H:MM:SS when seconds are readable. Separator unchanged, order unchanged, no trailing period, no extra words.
**2:53**
